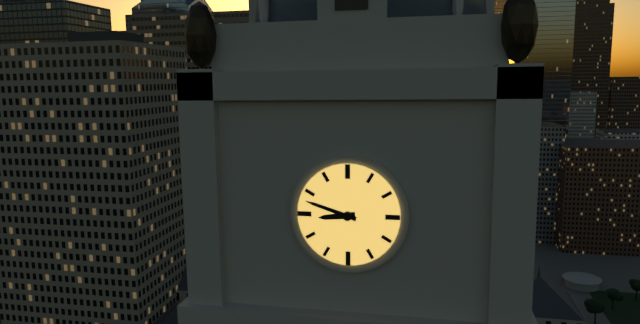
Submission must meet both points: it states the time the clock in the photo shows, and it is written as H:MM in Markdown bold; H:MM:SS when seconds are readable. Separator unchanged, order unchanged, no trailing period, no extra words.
**8:48**
